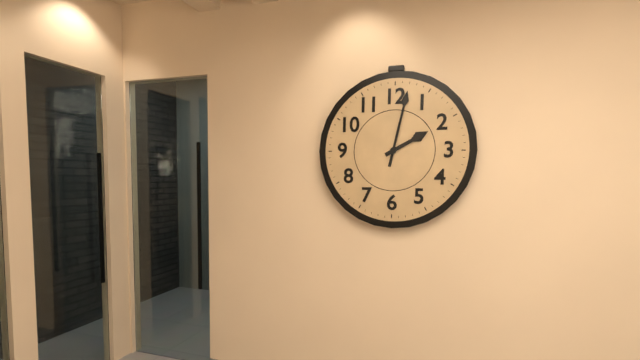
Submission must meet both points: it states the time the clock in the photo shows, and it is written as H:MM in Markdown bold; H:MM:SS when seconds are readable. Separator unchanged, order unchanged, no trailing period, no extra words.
**2:02**
